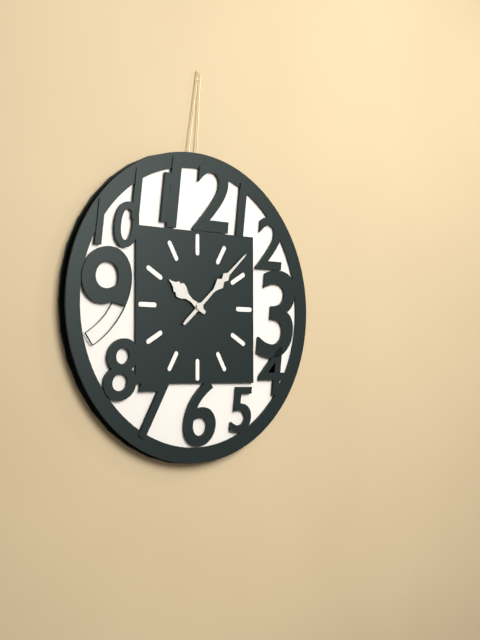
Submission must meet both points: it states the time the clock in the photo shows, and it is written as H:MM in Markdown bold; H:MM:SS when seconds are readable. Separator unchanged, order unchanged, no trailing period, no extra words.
**10:08**
